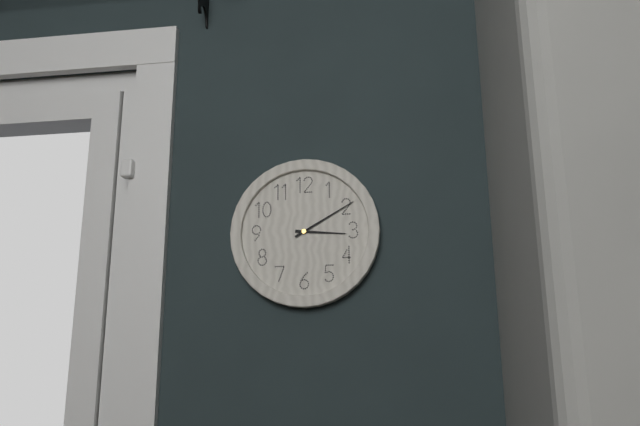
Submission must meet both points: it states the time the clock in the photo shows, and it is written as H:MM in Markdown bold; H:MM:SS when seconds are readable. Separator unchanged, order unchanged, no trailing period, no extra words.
**3:10**
